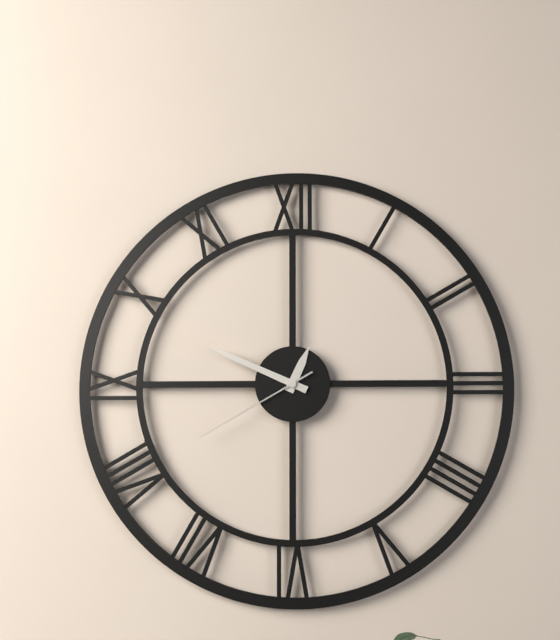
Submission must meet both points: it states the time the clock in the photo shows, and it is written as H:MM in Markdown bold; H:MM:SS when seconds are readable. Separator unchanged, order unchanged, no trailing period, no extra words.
**12:49:40**
